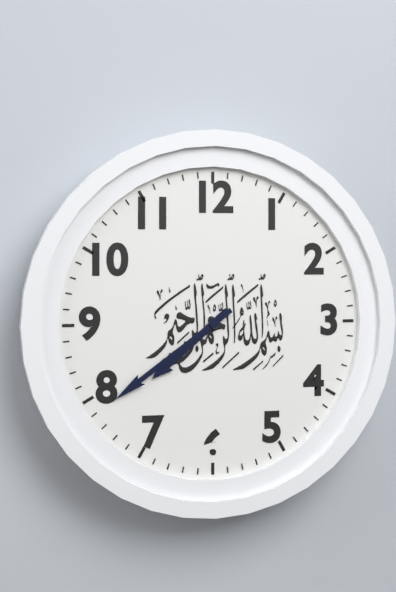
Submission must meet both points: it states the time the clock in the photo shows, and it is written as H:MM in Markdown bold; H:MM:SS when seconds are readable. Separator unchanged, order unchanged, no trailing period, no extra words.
**7:39**
